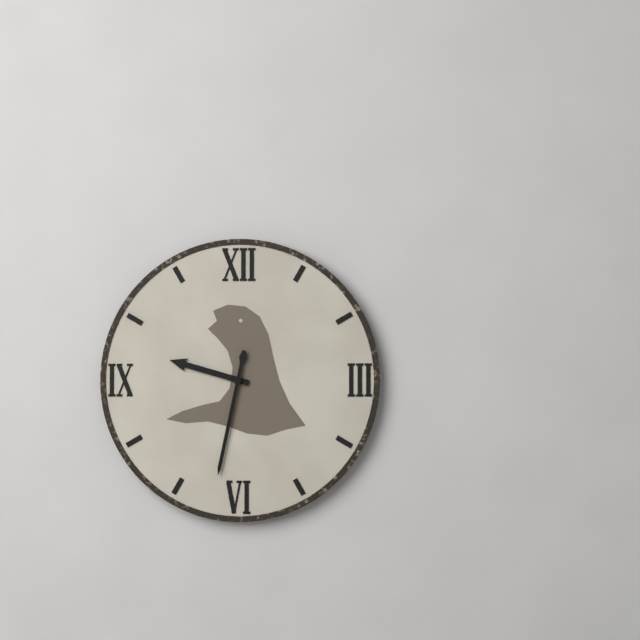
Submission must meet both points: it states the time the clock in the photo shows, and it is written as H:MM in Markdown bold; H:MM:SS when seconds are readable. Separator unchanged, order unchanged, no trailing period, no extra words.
**9:32**
